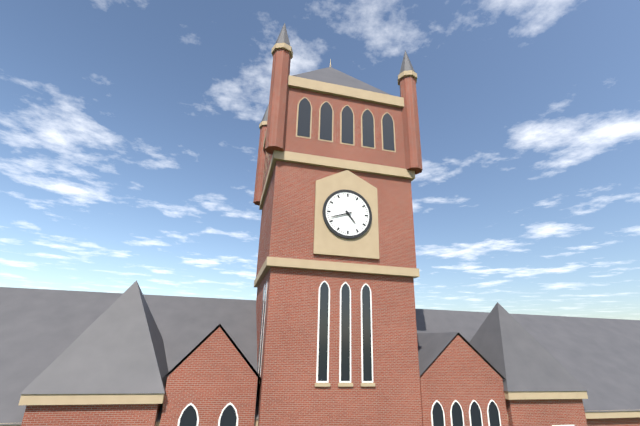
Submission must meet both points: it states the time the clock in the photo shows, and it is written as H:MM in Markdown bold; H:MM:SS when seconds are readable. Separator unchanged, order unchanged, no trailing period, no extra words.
**4:42**
